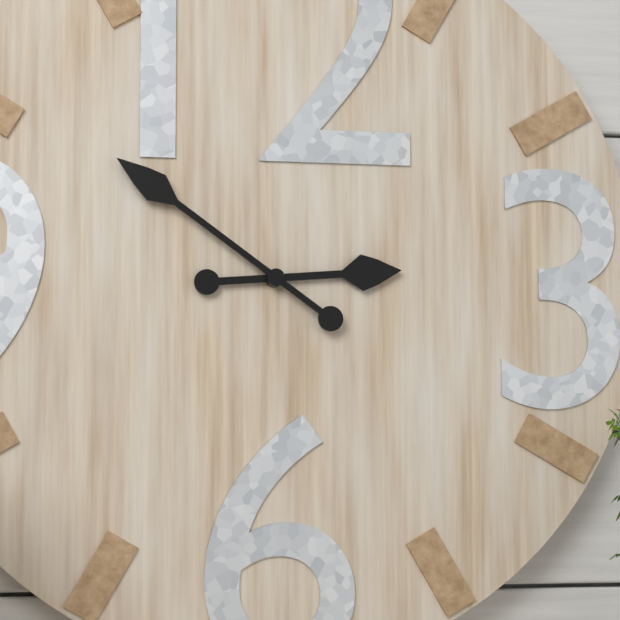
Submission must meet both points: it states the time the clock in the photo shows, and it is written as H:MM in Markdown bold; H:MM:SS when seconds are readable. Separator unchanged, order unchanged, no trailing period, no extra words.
**2:51**
